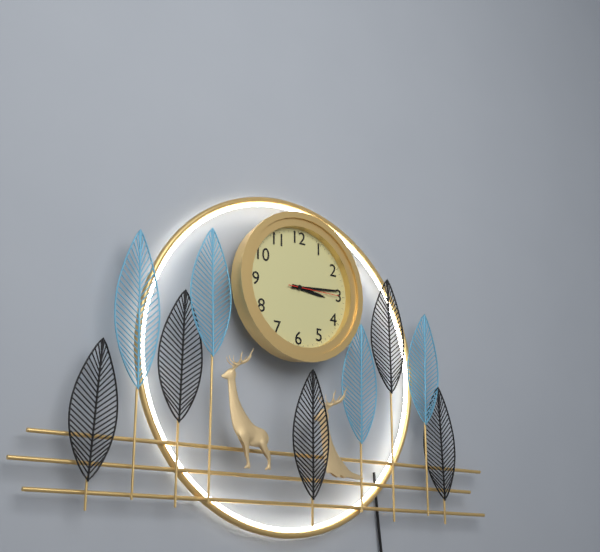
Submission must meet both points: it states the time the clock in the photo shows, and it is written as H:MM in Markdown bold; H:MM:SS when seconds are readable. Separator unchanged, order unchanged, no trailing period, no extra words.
**3:14**
